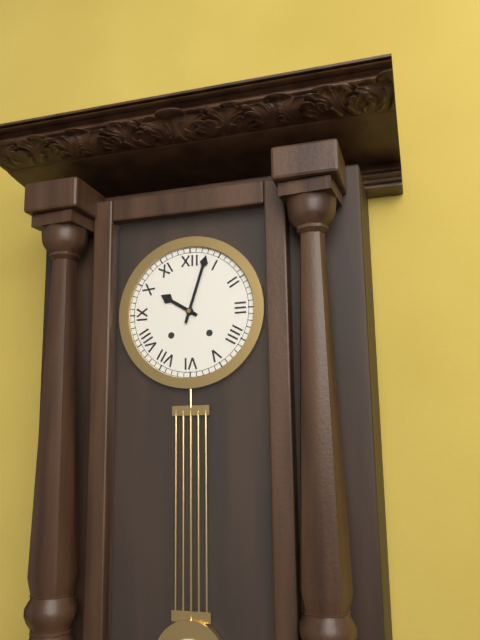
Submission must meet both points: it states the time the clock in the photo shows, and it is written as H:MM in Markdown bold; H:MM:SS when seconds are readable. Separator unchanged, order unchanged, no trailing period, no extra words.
**10:03**
